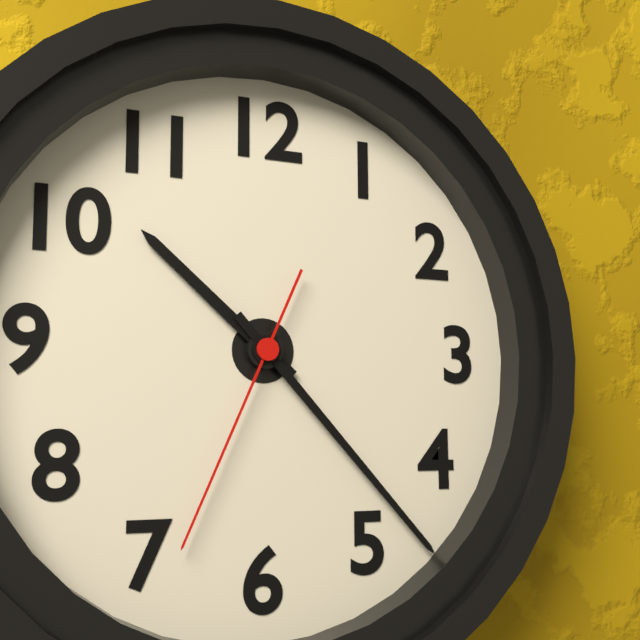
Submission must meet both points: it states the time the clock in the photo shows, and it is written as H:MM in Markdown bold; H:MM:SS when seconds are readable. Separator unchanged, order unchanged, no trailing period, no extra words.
**10:23:34**
